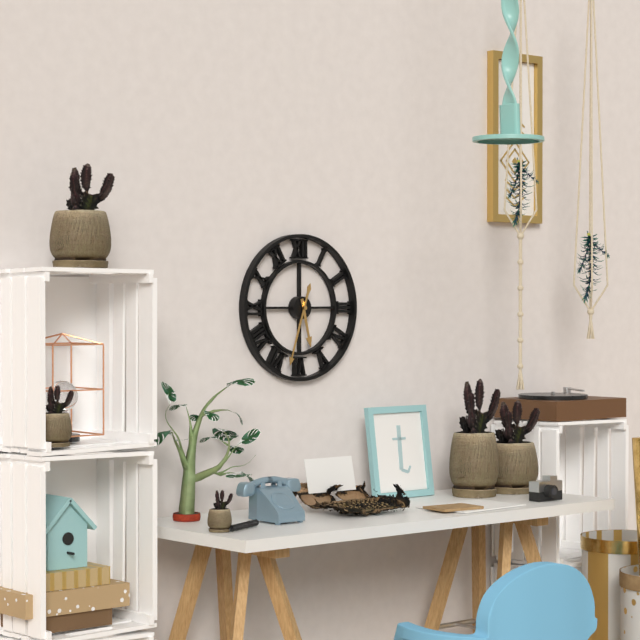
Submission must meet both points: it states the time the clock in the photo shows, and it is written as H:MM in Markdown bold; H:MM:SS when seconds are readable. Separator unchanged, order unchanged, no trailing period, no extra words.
**5:33**
